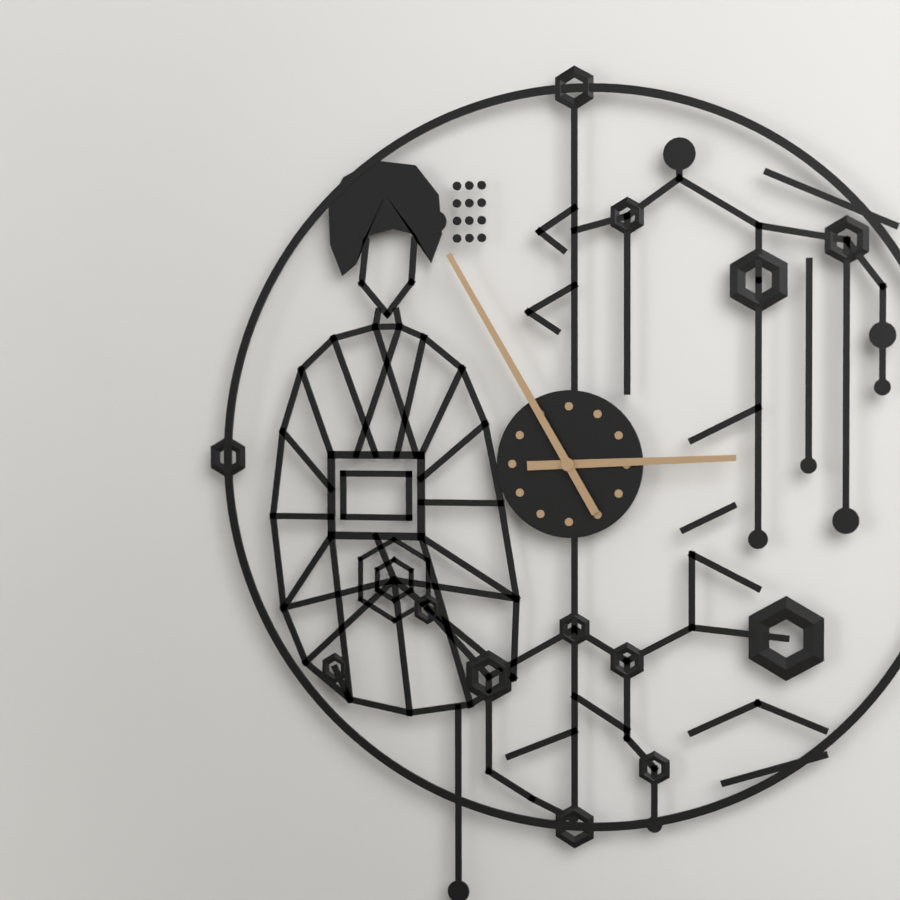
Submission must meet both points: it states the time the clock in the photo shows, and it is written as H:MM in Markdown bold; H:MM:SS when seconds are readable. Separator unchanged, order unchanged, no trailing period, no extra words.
**2:55**
